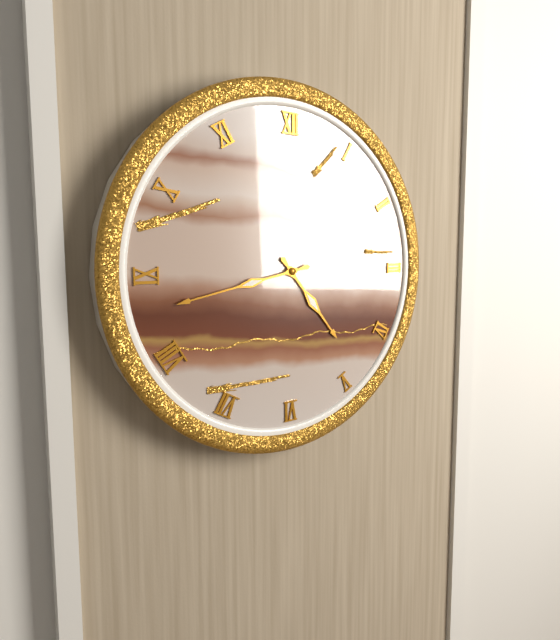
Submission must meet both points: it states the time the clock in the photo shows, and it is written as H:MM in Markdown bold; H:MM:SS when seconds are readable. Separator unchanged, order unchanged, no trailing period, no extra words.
**4:43**
